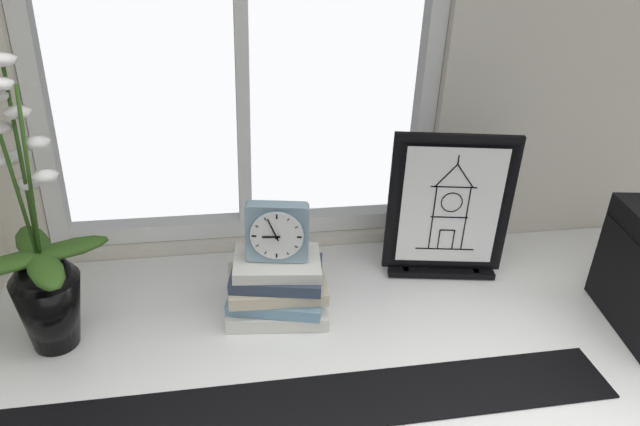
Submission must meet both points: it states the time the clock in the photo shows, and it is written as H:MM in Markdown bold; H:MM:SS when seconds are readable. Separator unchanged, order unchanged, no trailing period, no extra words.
**8:56**
